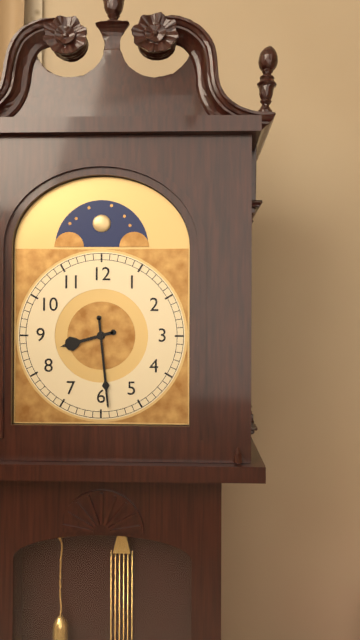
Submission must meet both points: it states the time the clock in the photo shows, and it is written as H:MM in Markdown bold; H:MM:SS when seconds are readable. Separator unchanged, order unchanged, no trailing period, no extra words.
**8:29**
